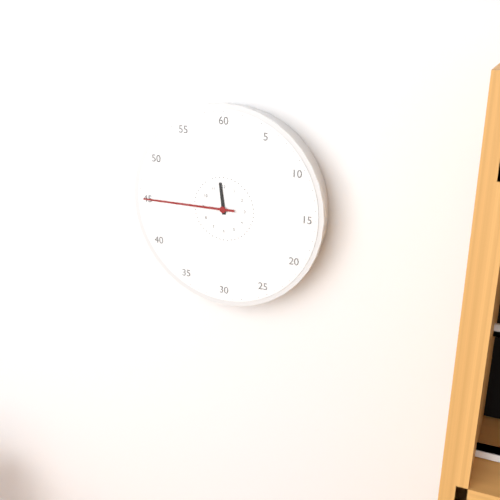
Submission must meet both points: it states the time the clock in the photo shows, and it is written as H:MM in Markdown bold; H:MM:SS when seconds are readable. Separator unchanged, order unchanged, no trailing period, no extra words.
**11:45**
